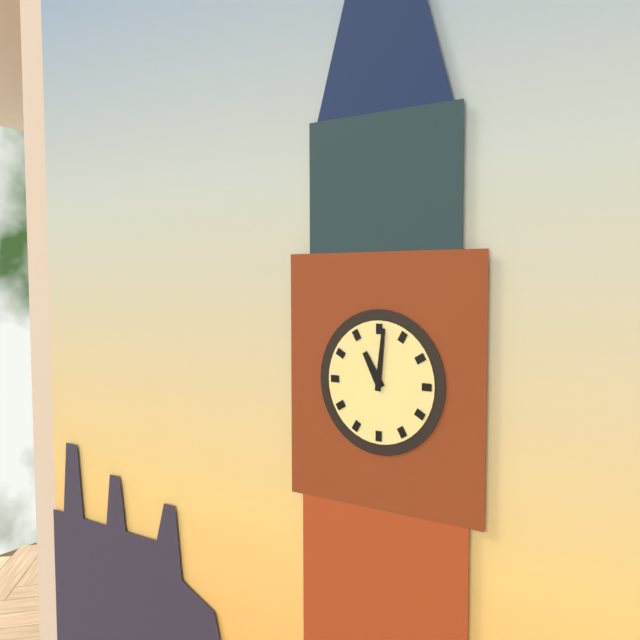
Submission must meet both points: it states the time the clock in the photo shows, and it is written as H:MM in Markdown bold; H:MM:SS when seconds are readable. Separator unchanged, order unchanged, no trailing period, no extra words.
**11:01**
